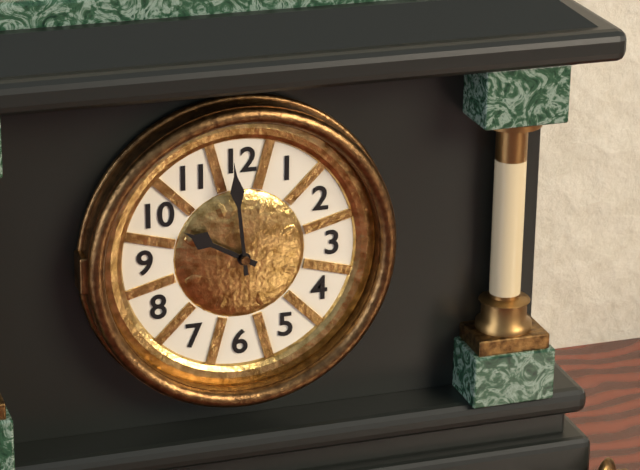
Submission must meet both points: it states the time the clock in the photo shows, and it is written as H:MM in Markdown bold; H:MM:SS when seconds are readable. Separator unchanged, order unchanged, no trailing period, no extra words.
**9:59**
